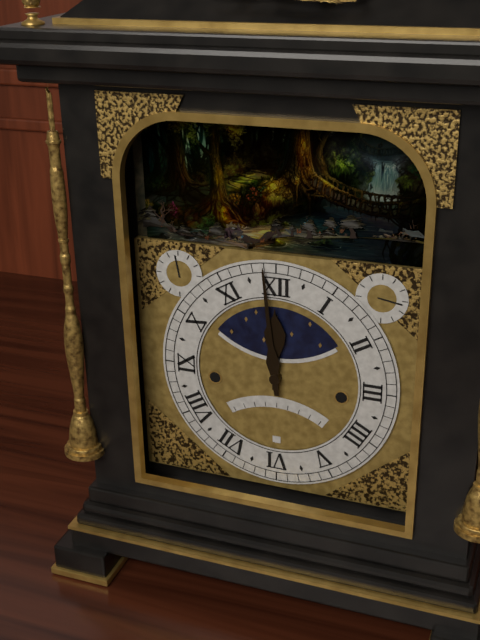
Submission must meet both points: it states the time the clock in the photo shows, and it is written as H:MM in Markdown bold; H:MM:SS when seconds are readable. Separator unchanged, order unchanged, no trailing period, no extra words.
**11:59**
